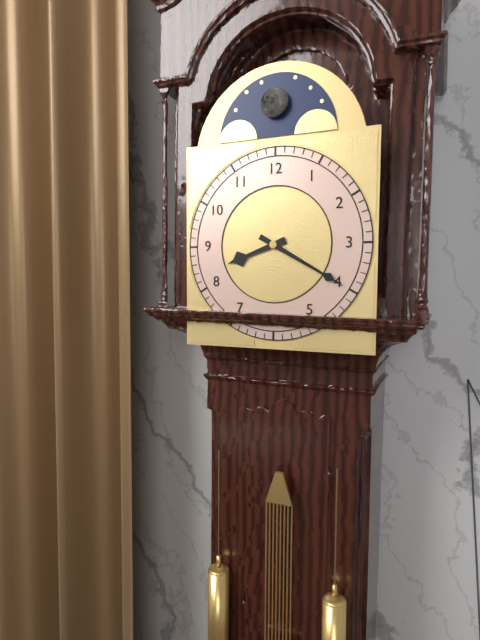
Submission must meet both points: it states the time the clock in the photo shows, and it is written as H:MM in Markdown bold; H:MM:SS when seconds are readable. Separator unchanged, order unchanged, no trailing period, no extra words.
**8:20**
